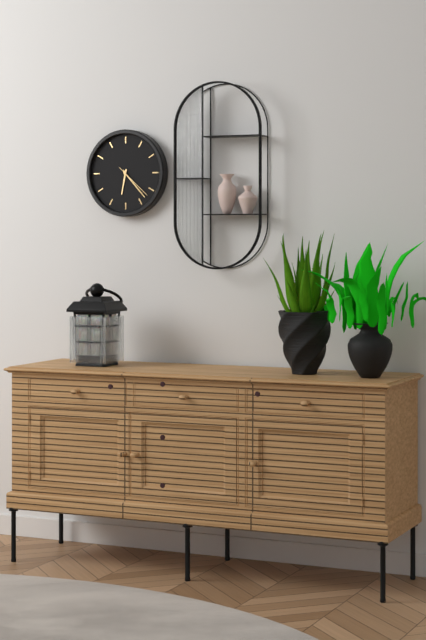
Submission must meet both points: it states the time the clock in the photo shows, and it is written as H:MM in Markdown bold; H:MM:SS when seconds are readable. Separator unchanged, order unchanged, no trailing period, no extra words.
**6:23**
